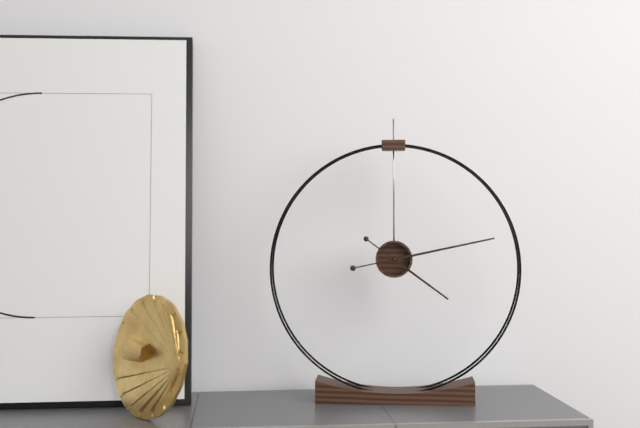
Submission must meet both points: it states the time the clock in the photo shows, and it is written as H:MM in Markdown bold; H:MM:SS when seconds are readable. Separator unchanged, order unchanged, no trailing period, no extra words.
**4:13**
